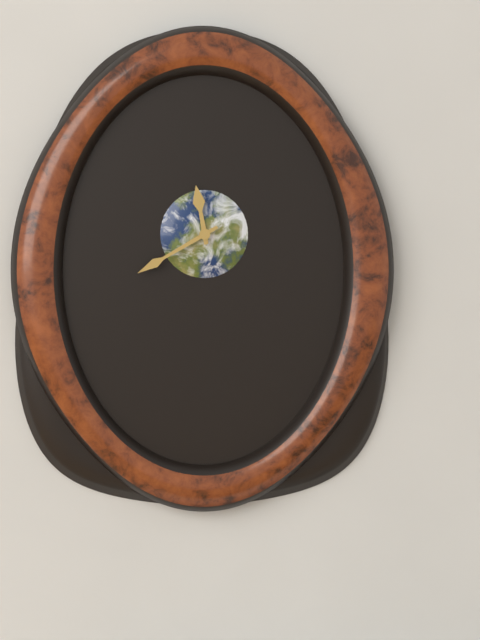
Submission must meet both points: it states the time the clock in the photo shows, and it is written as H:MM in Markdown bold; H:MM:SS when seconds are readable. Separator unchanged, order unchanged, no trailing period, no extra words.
**11:40**
